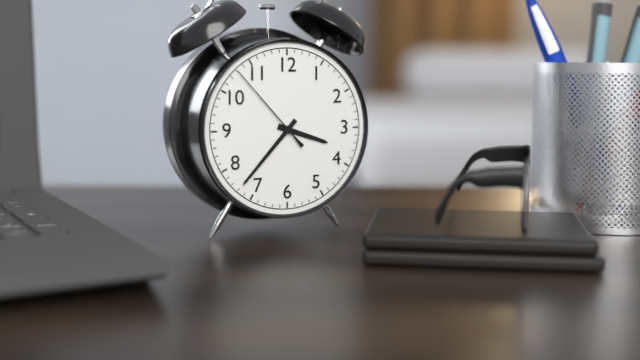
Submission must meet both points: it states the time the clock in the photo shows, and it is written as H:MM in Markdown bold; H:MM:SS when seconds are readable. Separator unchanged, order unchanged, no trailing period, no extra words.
**3:37:53**
